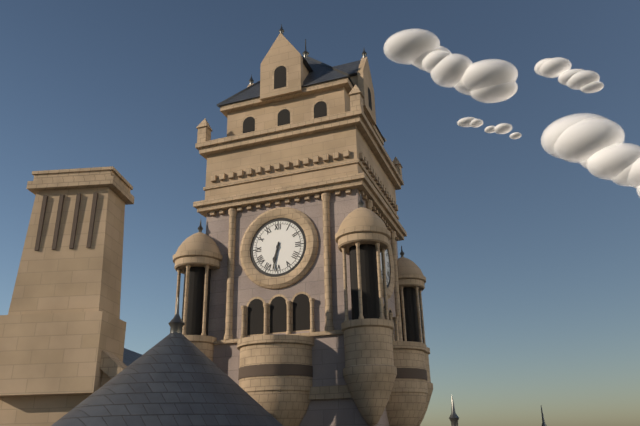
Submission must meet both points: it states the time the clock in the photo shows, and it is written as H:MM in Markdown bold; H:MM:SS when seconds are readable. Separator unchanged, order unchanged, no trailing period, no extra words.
**6:32**
